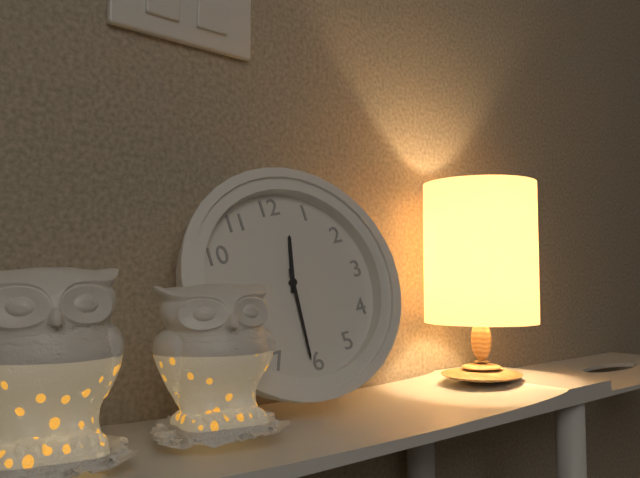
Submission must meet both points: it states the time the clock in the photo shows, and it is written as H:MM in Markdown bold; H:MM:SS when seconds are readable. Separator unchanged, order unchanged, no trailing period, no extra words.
**12:31**
